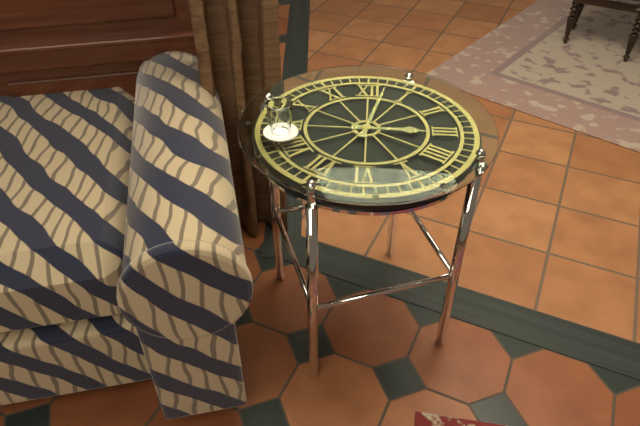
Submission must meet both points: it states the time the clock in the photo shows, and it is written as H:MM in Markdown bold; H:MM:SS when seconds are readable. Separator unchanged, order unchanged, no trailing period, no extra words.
**3:02**
